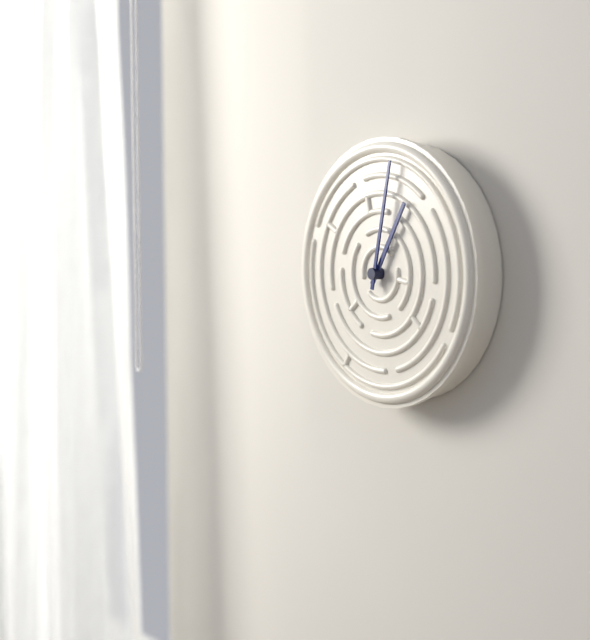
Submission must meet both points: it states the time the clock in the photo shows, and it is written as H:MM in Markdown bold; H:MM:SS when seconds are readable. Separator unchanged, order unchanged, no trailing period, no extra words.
**1:02**
